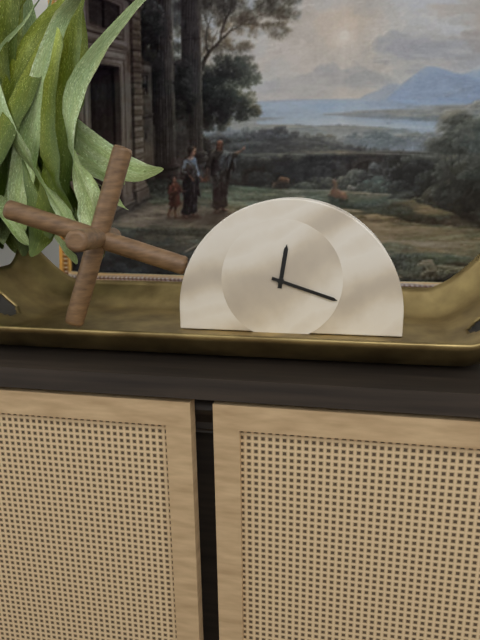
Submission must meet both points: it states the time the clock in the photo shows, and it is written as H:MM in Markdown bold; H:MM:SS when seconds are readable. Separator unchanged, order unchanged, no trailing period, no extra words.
**12:18**
